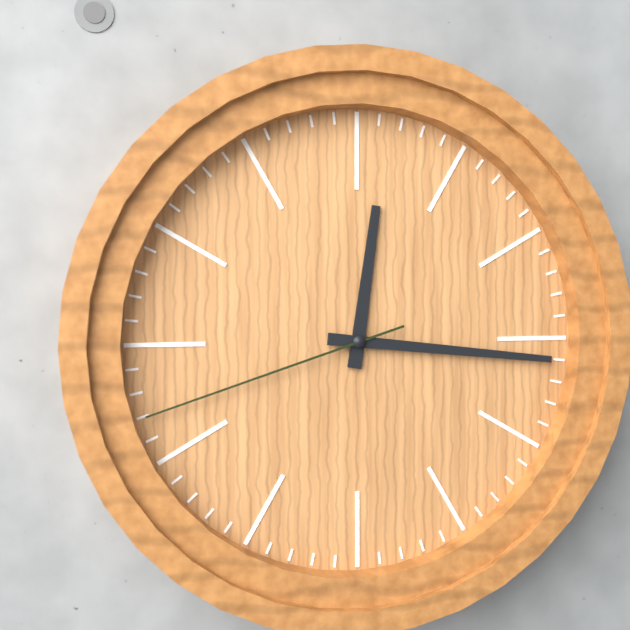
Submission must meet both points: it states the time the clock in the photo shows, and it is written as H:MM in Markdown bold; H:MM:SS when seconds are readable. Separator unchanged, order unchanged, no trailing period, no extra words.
**12:16:42**
